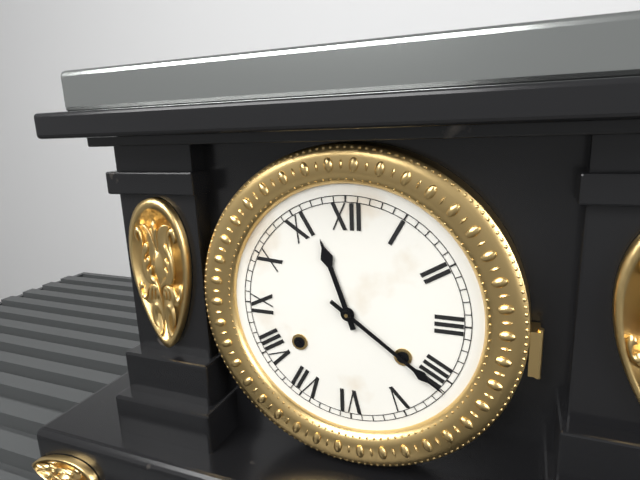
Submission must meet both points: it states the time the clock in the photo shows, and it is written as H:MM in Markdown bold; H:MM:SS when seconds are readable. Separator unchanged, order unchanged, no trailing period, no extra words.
**11:21**
